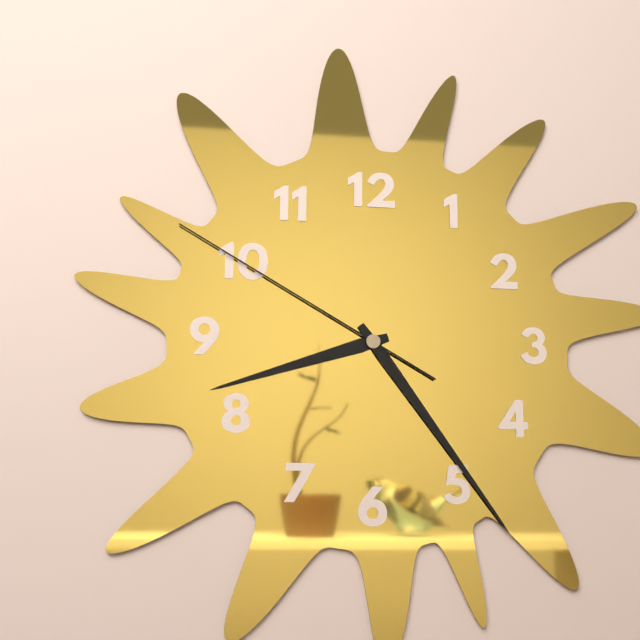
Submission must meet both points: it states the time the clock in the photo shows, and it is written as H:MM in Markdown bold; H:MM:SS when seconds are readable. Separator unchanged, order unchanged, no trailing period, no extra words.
**8:24:50**
